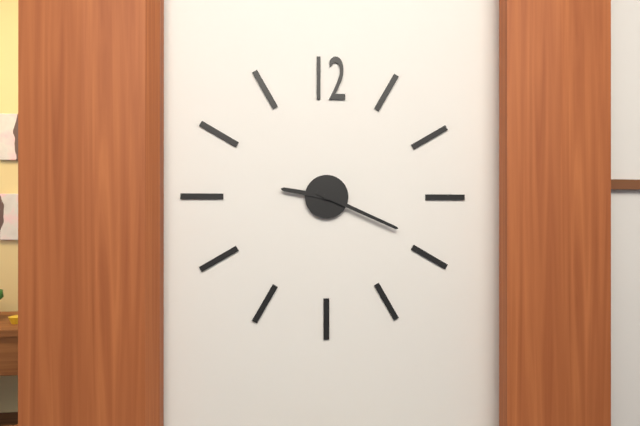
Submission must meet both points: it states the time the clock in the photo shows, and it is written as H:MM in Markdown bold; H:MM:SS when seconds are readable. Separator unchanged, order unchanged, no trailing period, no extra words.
**9:19**
